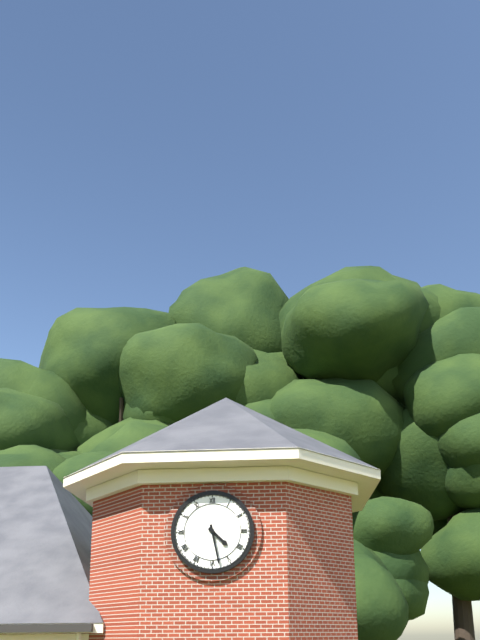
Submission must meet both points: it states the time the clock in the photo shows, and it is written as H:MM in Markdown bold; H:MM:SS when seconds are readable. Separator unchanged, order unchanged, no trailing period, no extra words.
**4:28**
